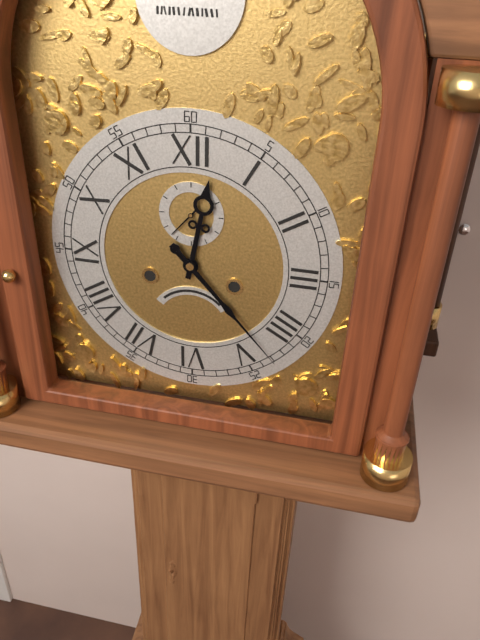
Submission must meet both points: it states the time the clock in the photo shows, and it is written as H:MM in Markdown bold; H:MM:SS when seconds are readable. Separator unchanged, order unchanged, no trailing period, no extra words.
**12:23**
